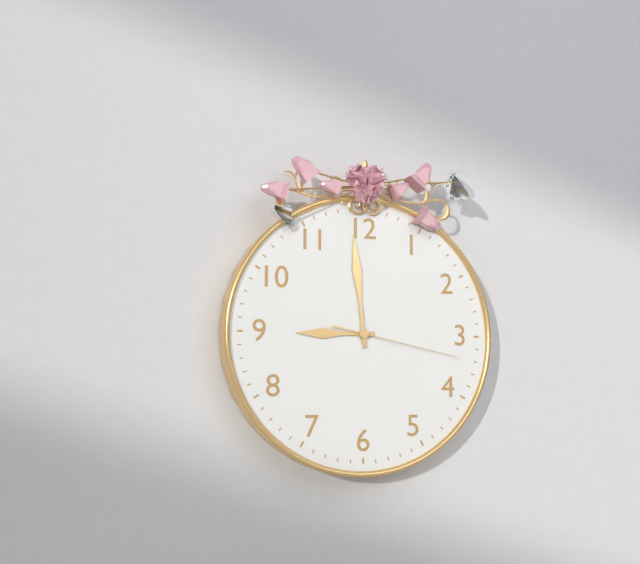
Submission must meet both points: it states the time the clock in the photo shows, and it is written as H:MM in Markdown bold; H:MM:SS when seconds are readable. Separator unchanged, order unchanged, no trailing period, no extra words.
**8:59:17**
